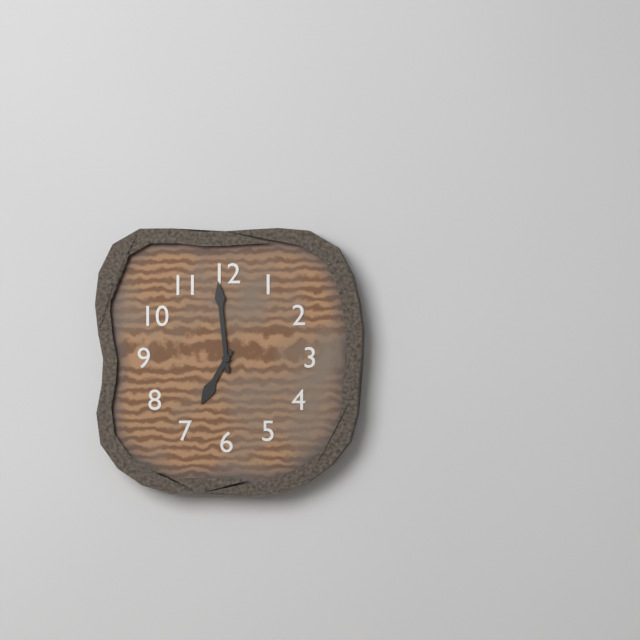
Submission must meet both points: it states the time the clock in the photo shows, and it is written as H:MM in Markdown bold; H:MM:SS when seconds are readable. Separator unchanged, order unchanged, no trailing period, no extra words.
**6:59**
